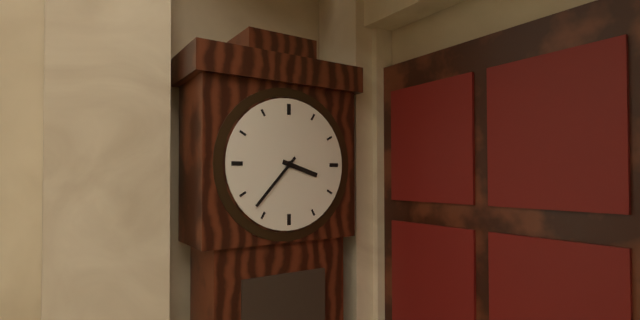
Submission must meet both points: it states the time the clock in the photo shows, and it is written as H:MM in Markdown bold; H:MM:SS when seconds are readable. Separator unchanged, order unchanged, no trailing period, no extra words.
**3:37**
